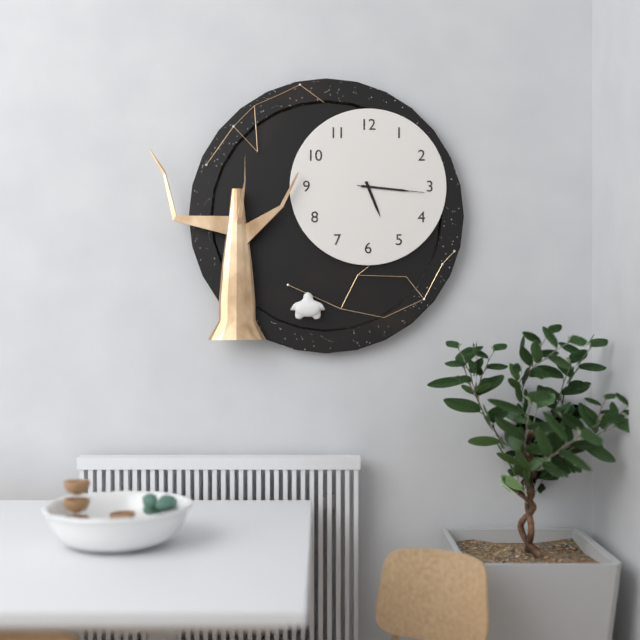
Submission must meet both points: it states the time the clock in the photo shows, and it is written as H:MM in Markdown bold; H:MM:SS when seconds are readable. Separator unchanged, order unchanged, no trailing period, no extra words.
**5:16:16**
